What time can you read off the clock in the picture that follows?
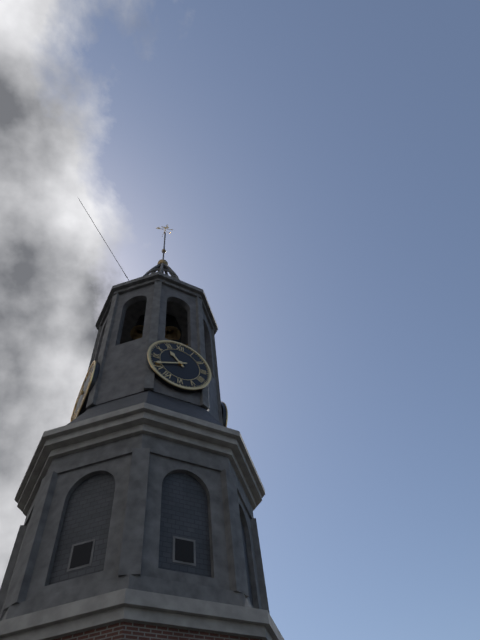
10:41
